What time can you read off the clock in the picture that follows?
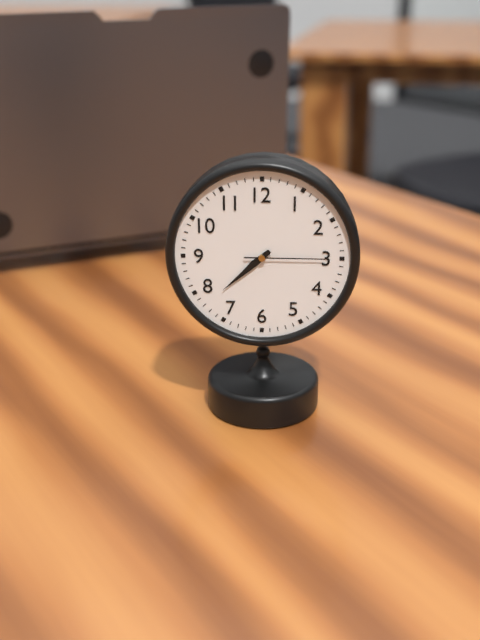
7:38:15
